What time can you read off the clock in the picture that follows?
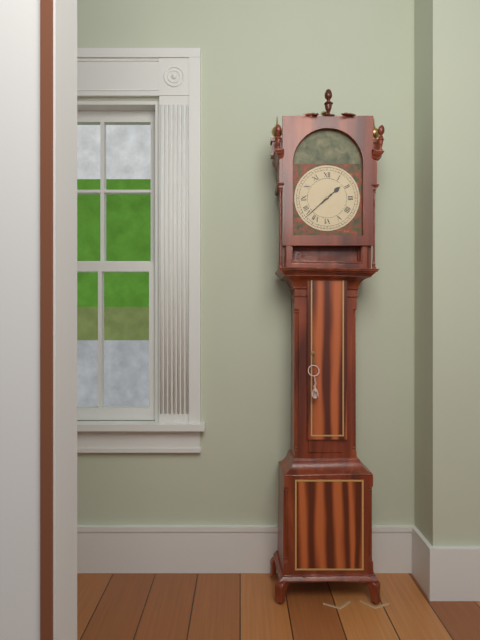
1:38
